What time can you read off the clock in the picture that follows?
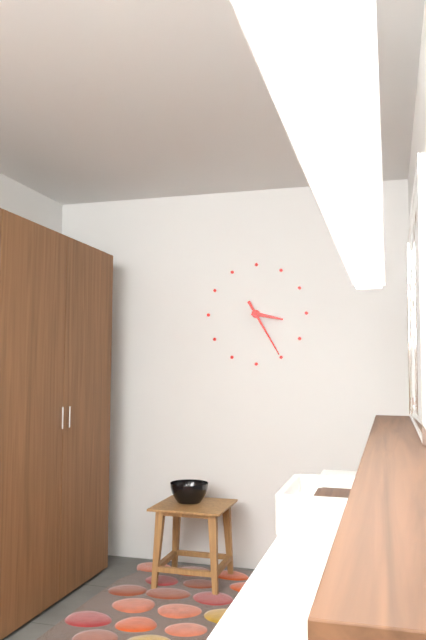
3:25
